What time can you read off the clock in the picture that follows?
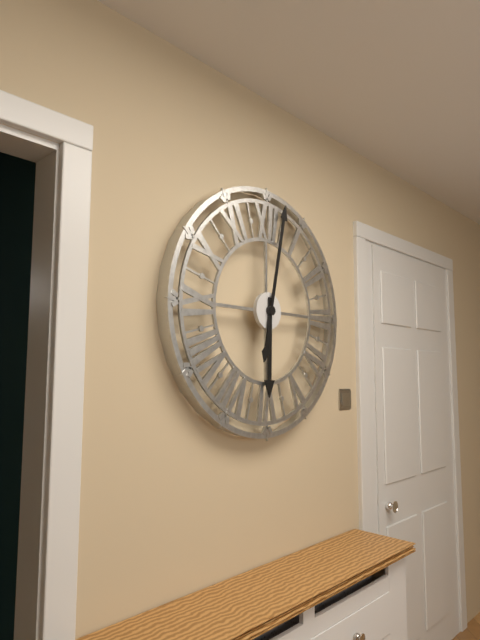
6:02
